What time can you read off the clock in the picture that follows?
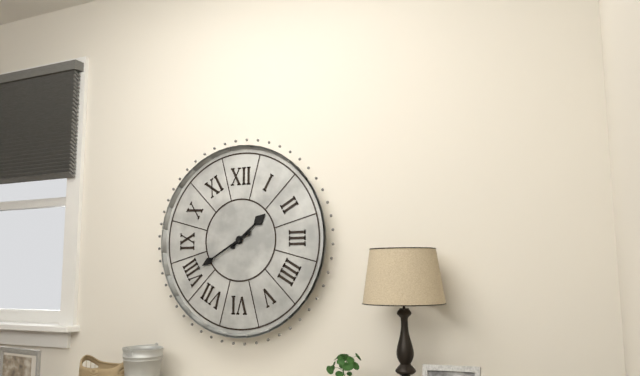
1:40
